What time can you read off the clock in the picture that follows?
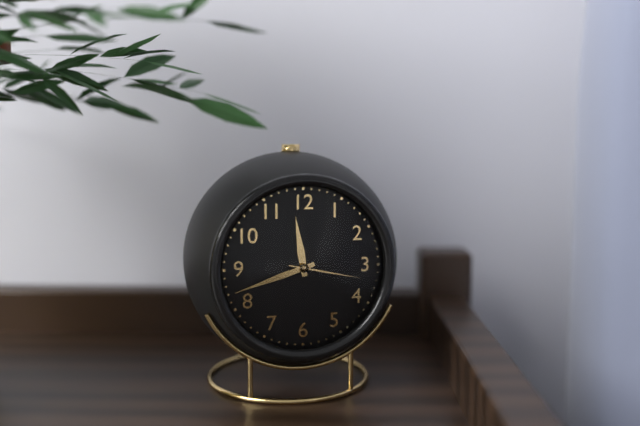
11:42:17
